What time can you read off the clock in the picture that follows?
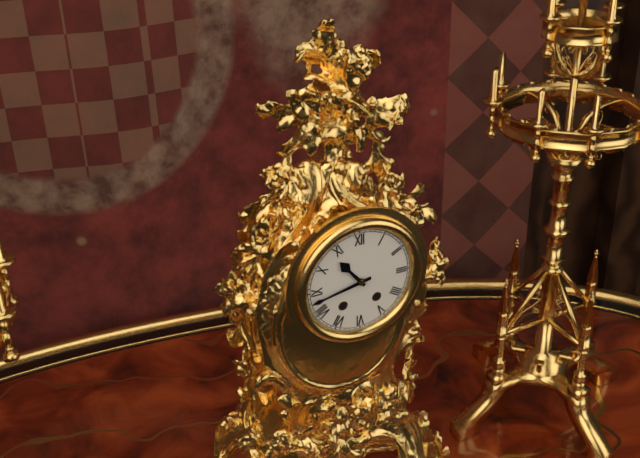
10:43
